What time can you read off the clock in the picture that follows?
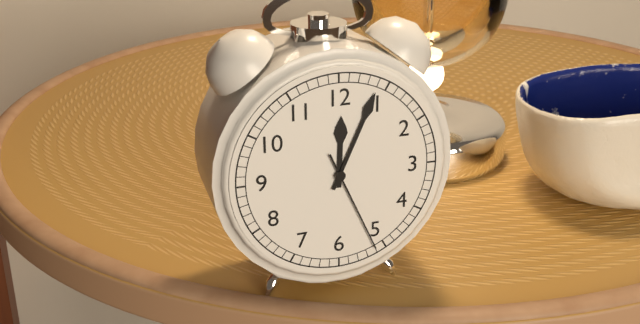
12:04:26
